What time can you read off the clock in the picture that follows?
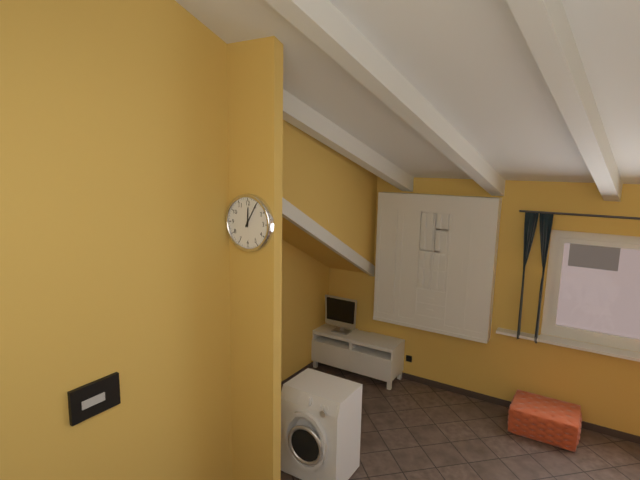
12:05
